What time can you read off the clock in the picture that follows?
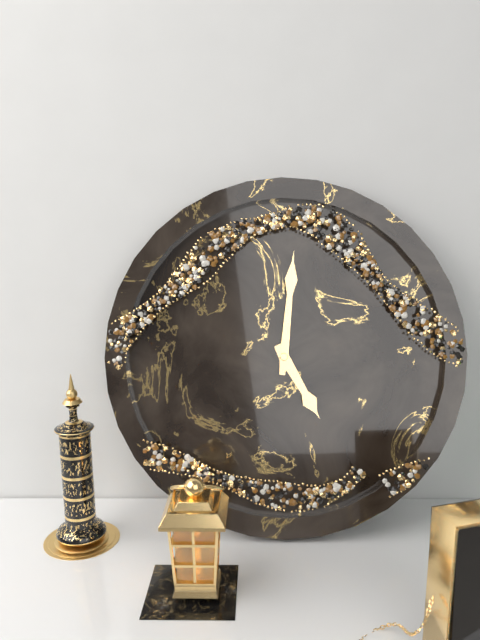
5:01
